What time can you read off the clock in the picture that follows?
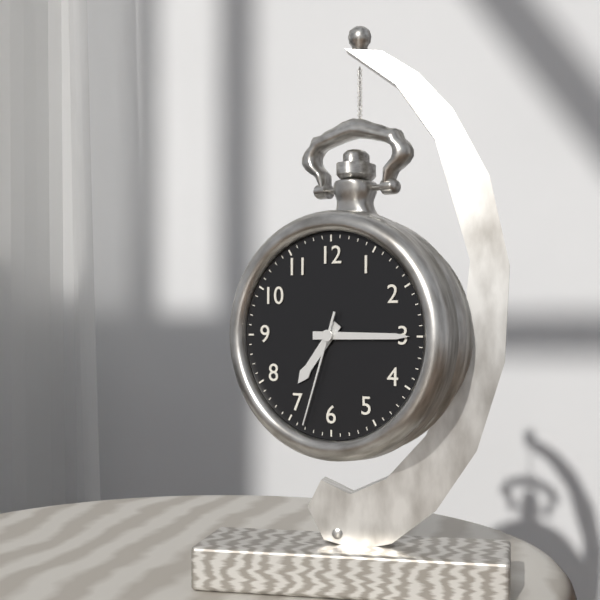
7:15:33
